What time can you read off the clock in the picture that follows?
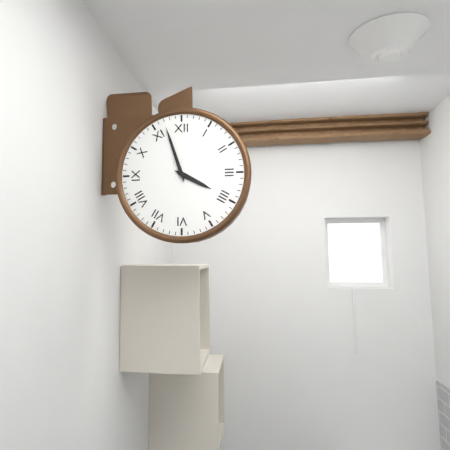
3:57
